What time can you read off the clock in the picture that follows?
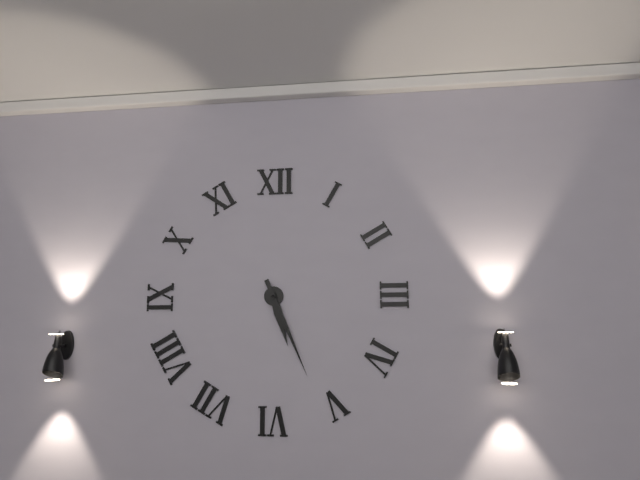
5:26
